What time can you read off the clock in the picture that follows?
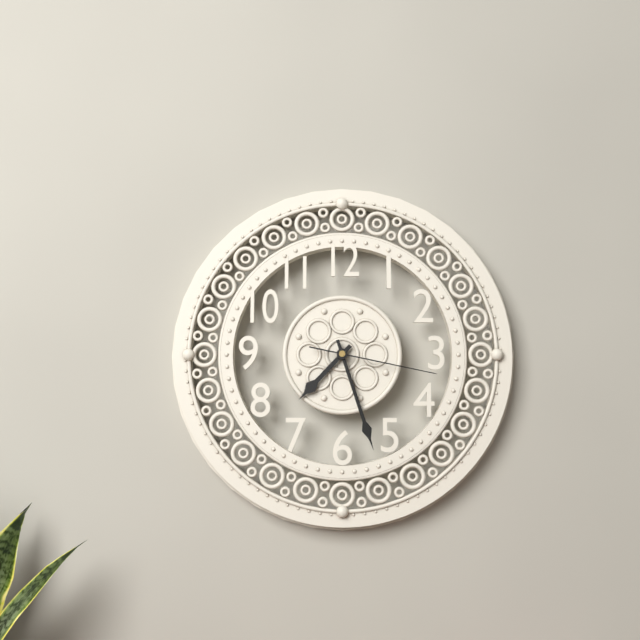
7:27:17
